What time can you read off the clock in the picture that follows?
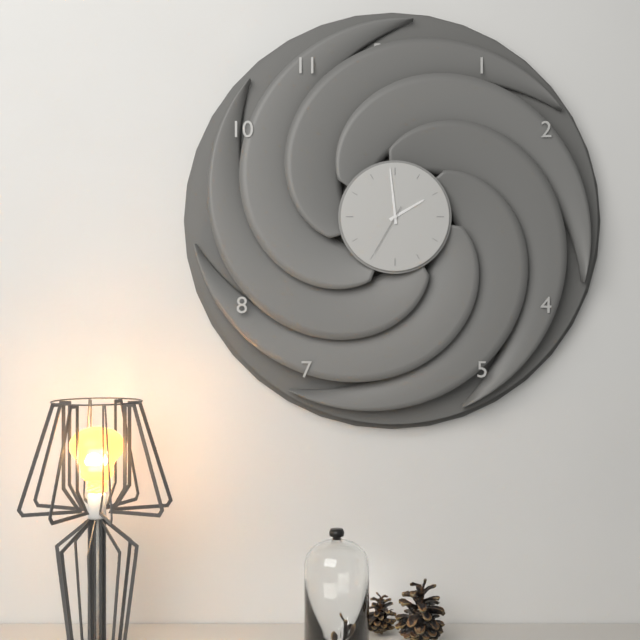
1:59:35
